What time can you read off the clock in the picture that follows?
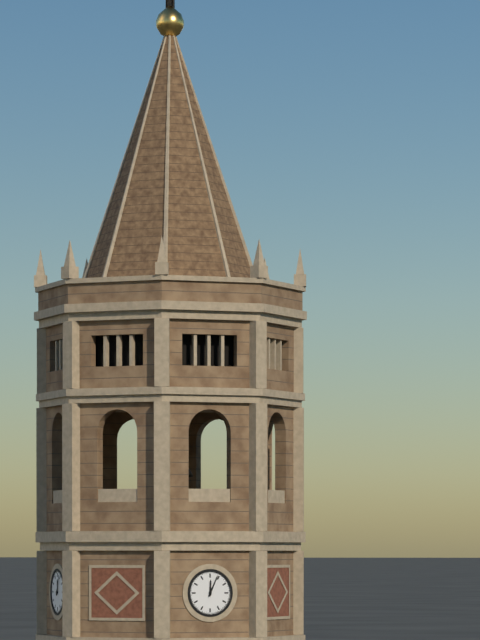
12:04
